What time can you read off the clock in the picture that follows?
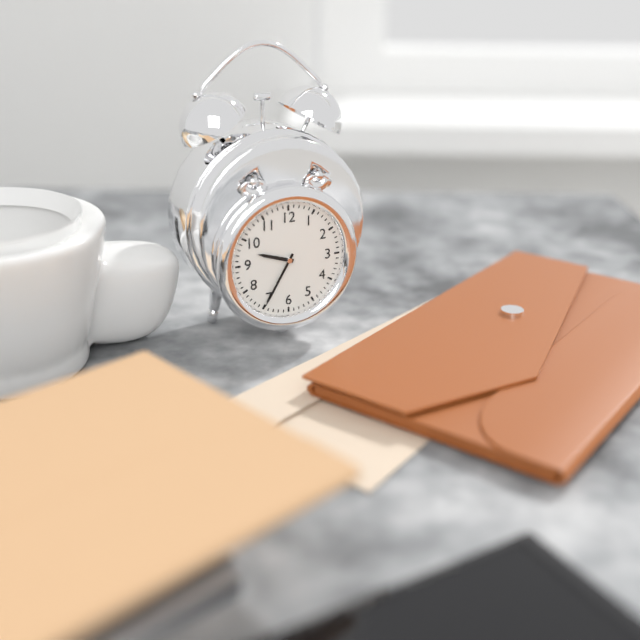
9:35
